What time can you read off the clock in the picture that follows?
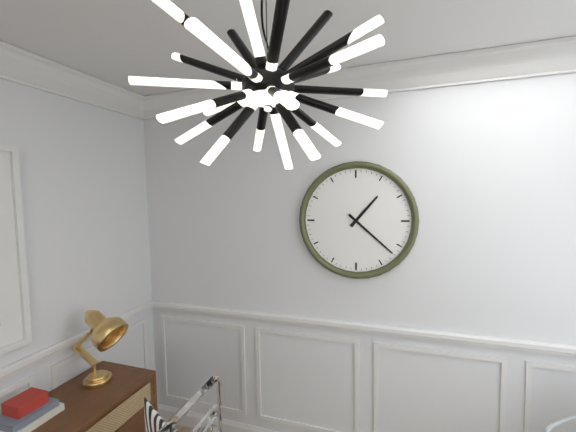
1:22
